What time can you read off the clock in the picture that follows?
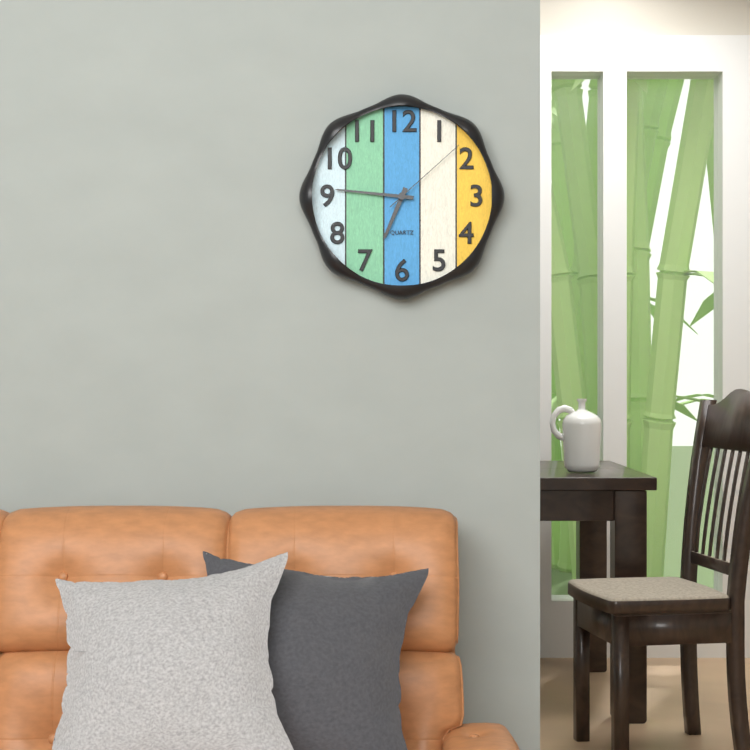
6:46:08
